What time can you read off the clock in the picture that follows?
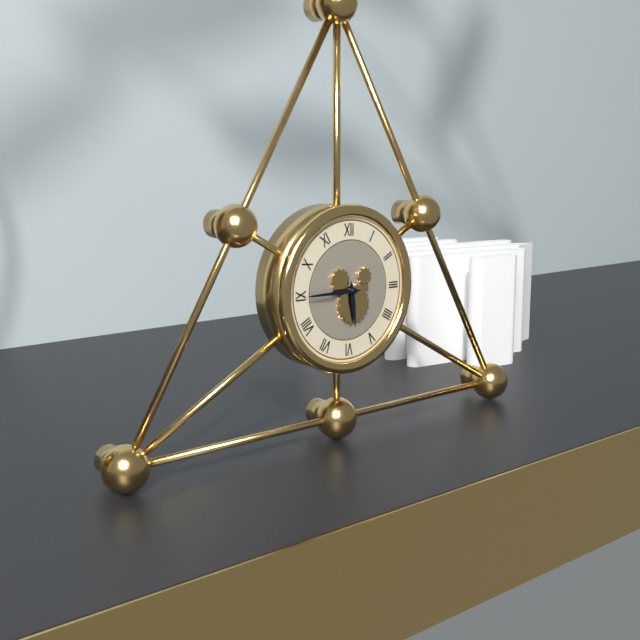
5:45
